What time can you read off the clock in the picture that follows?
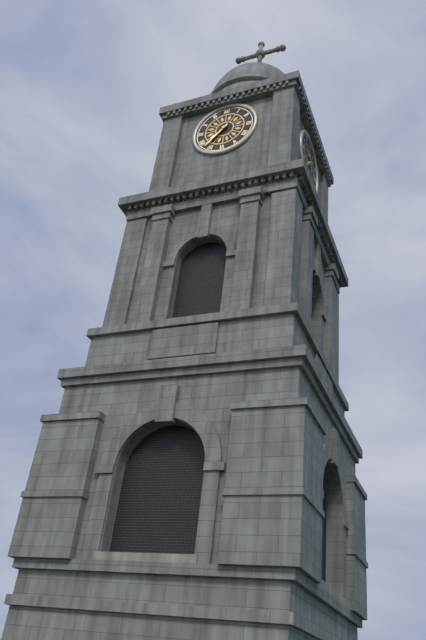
7:37
